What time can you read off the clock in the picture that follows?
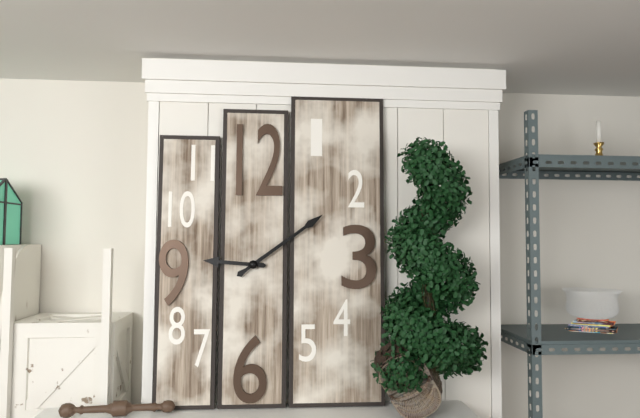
9:09
